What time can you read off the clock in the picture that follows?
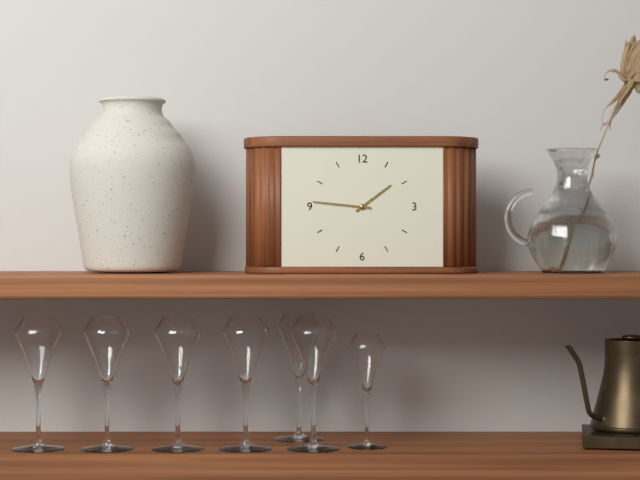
1:46
